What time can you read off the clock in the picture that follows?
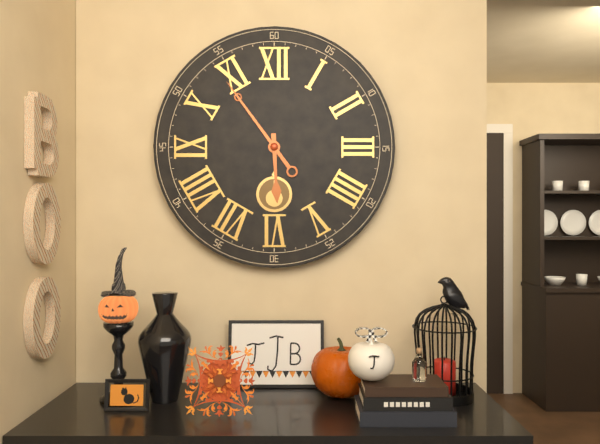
5:54
